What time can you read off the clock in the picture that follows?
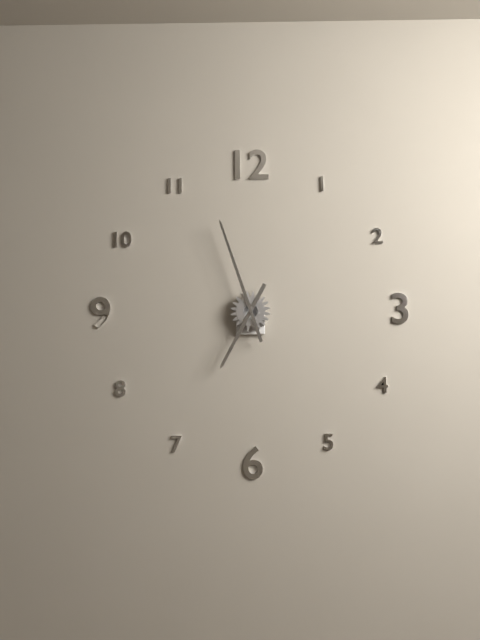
6:57
